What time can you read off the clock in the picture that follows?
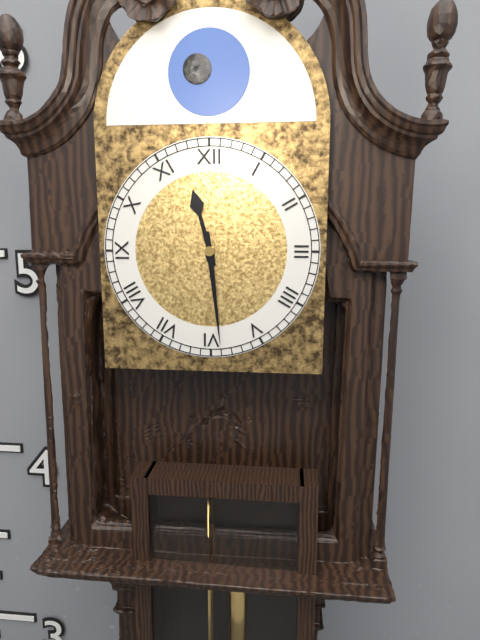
11:29
